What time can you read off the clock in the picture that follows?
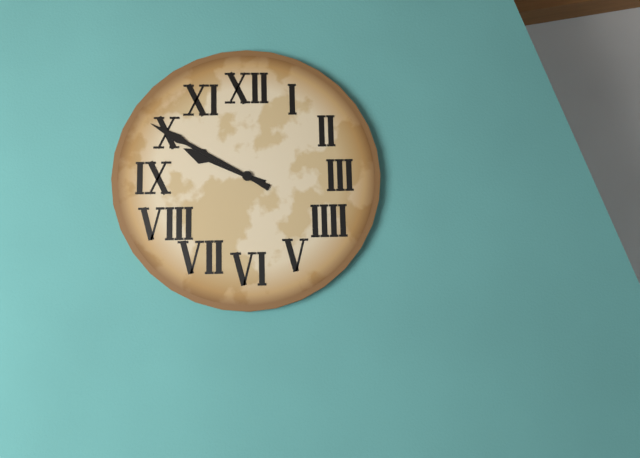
9:50
